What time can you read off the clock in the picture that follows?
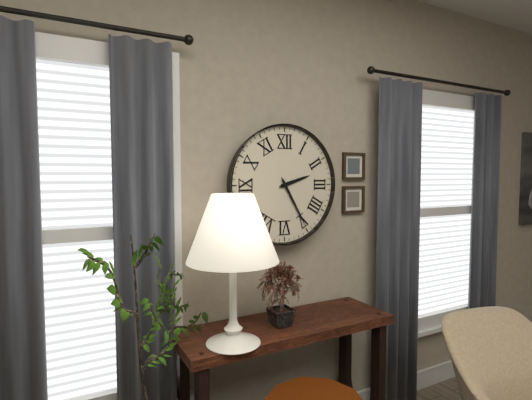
2:25
